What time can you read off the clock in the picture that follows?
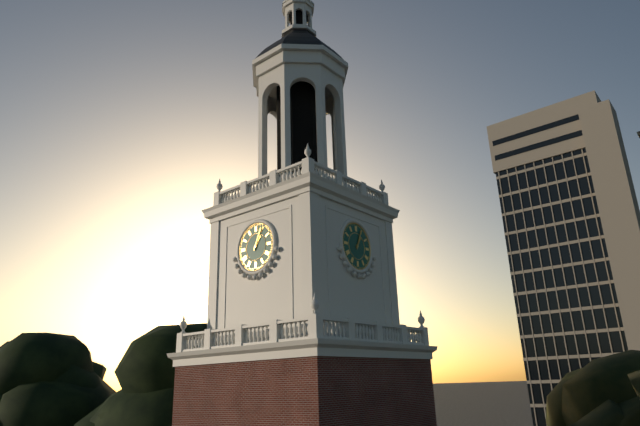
1:04
